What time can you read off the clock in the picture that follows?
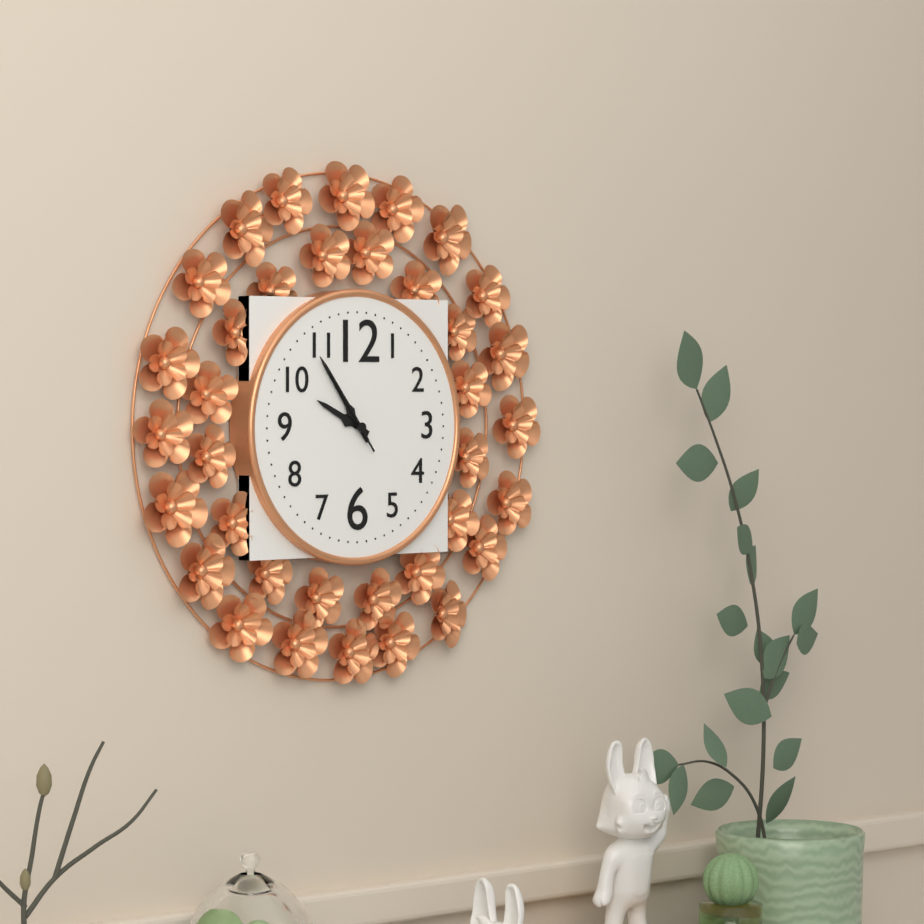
9:54:54
